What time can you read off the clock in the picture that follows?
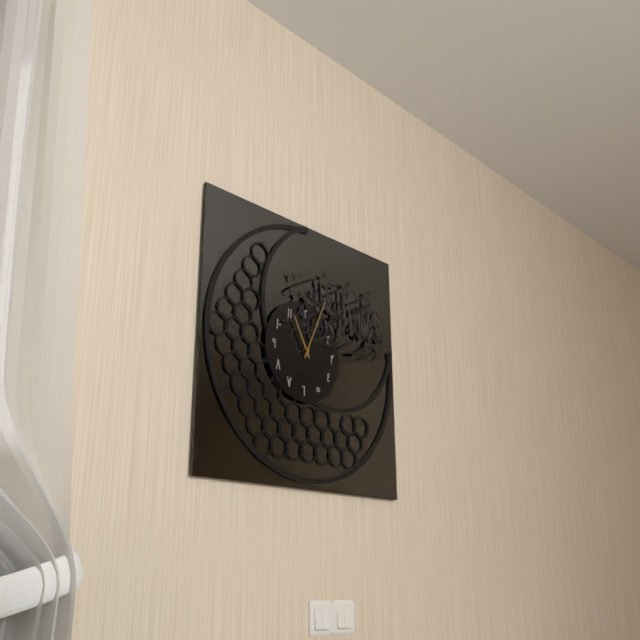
11:04
